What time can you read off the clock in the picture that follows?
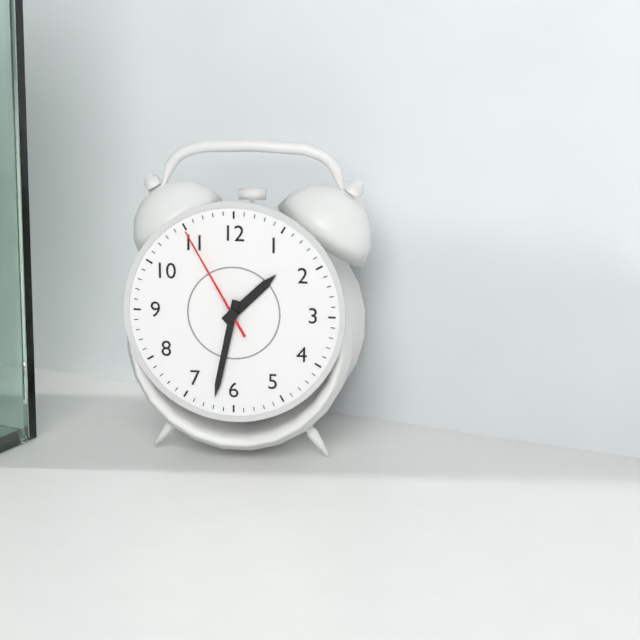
1:32:55
